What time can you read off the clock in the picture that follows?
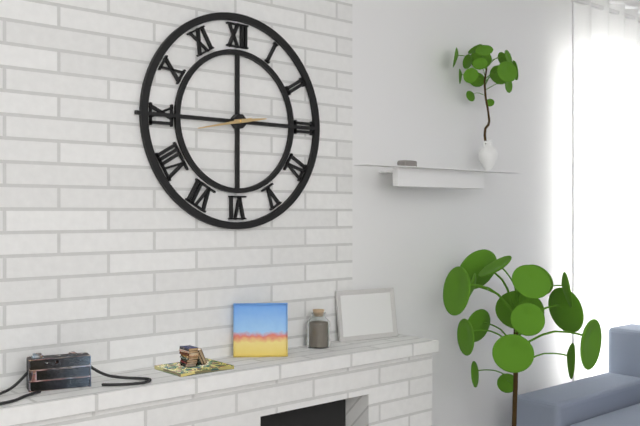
2:43
